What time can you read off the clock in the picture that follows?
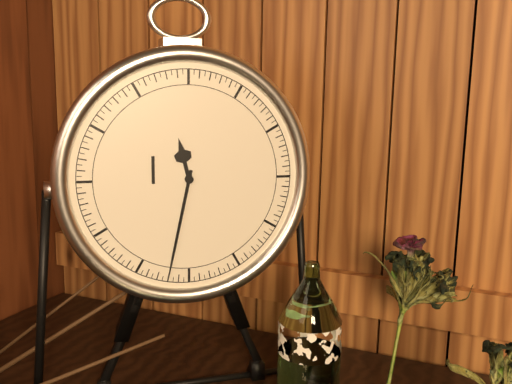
11:32
